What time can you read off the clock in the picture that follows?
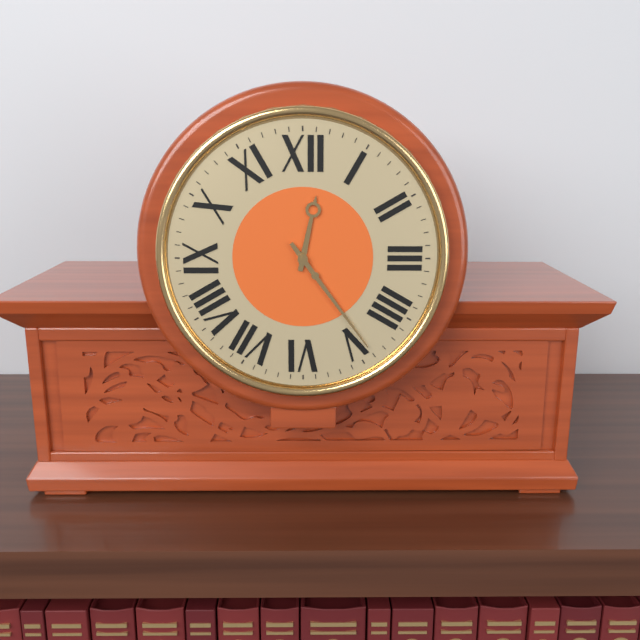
12:24
